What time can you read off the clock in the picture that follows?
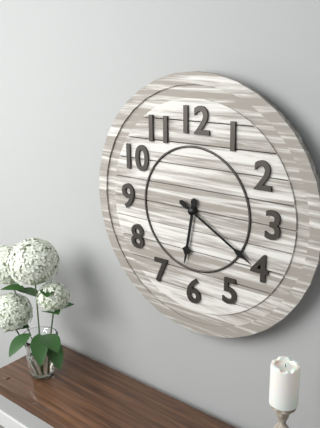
6:20
